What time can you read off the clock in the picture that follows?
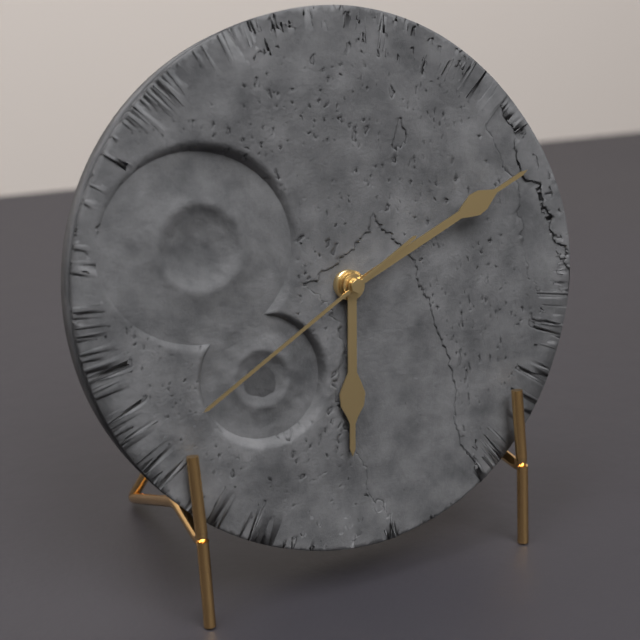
6:11:40
